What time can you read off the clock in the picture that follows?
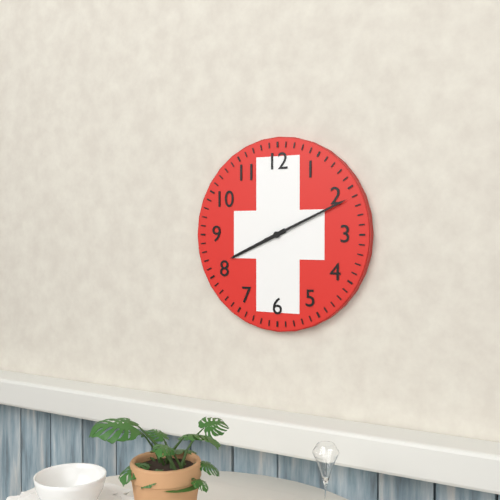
8:11
